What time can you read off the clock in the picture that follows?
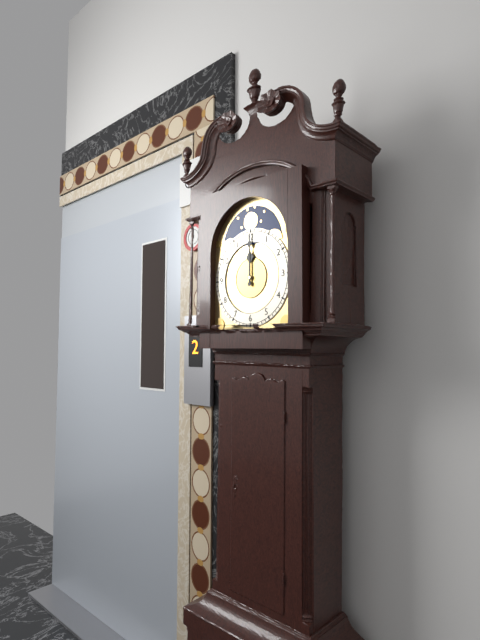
12:00
